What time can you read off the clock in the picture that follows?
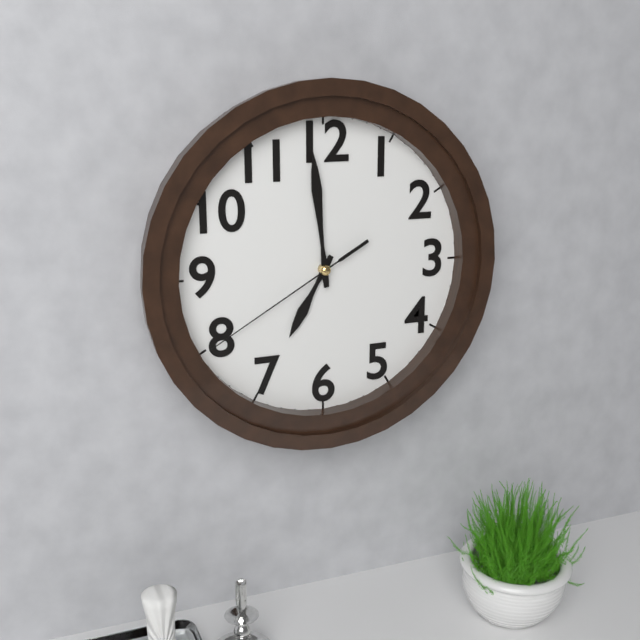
6:59:40
